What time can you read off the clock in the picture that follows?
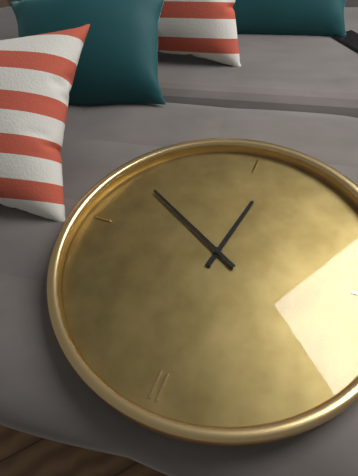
6:20
